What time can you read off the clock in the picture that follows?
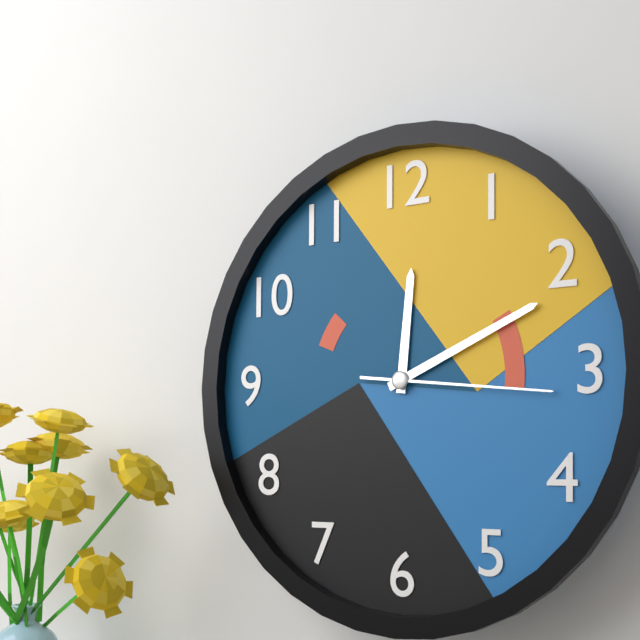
12:11:16
